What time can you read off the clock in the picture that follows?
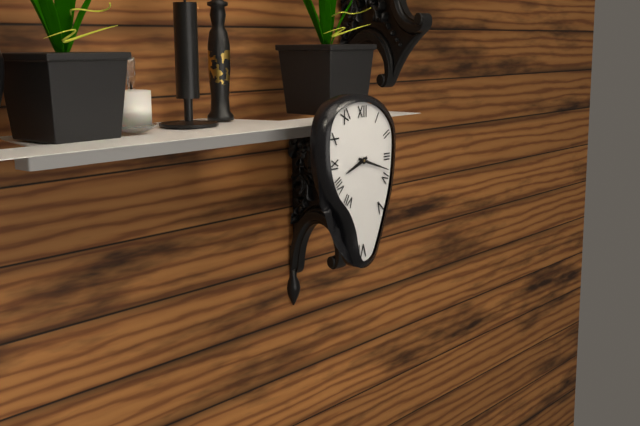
8:18
